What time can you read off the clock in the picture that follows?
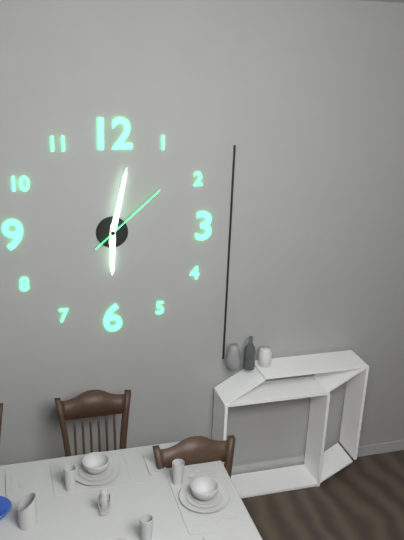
6:02:08
